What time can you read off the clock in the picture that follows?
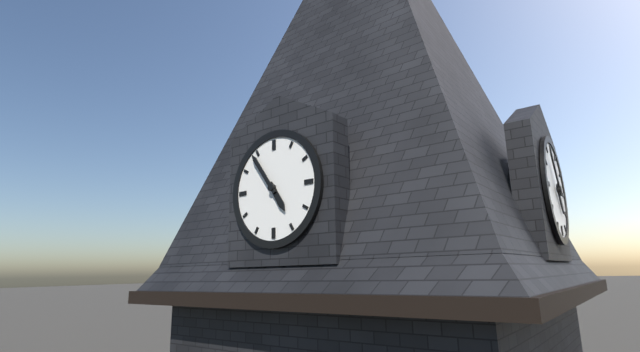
4:54
